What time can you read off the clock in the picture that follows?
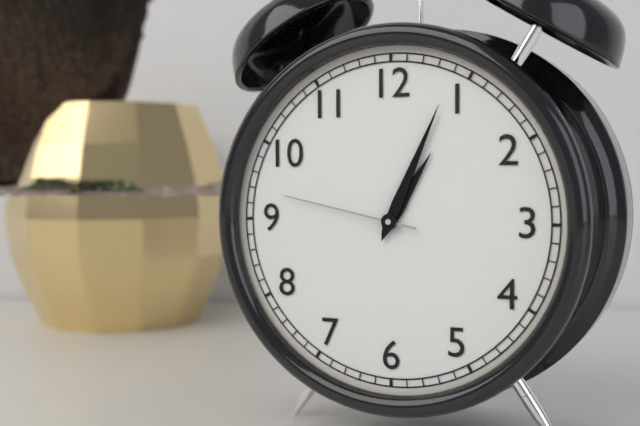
1:04:47
